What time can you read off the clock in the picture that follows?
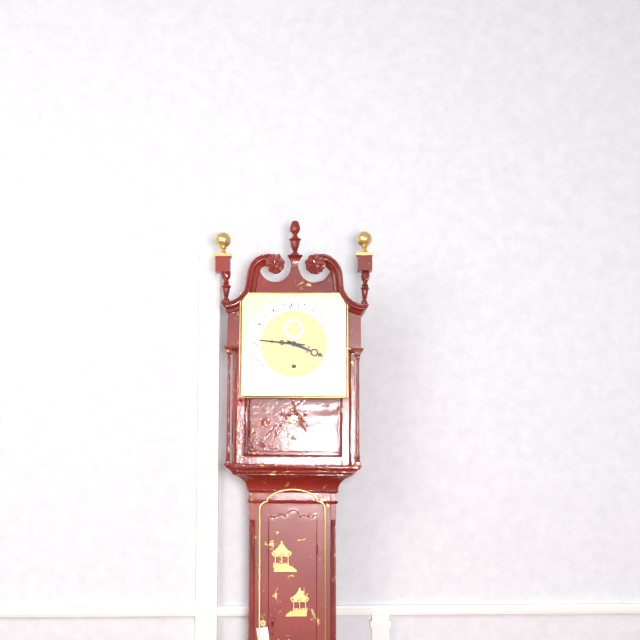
3:46
